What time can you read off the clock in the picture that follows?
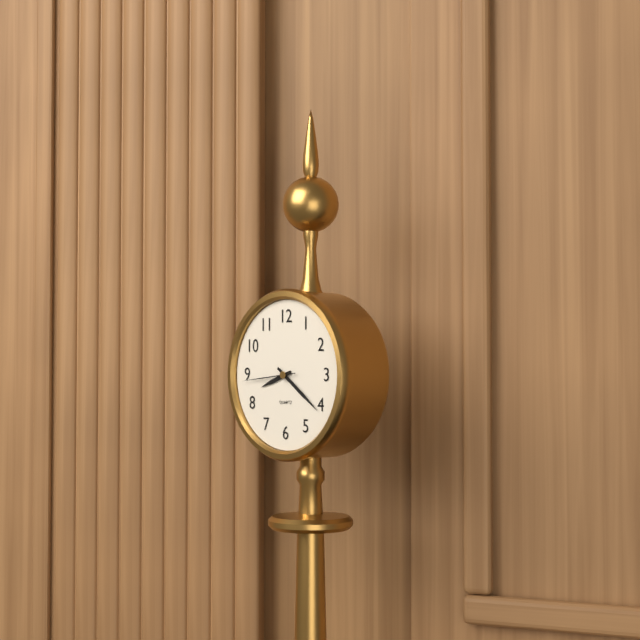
8:21:44
